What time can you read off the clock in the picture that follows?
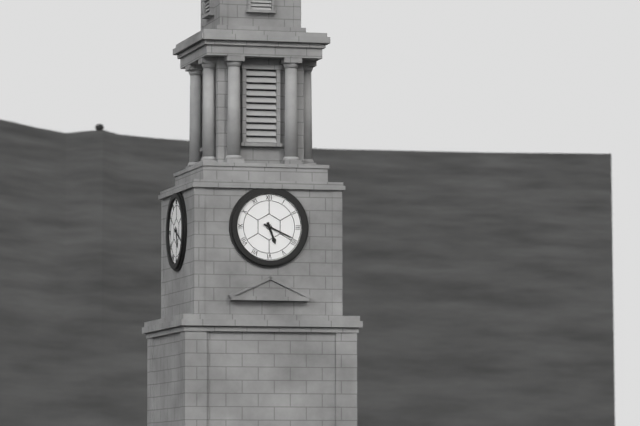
5:19
